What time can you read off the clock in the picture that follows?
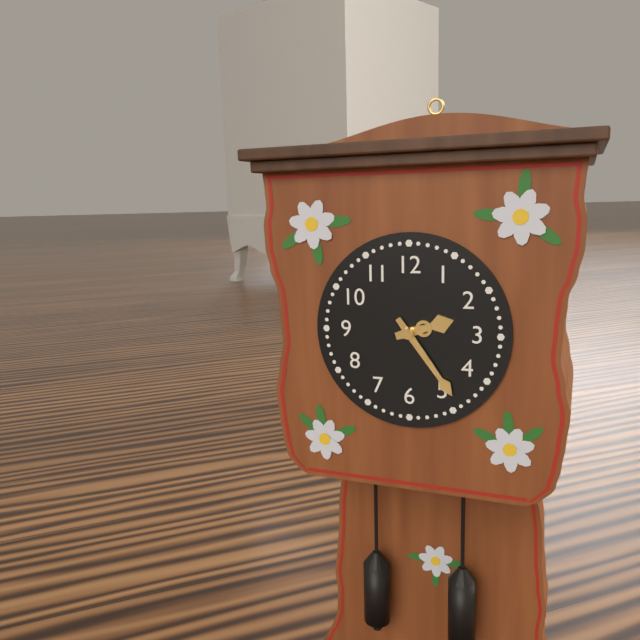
2:24
